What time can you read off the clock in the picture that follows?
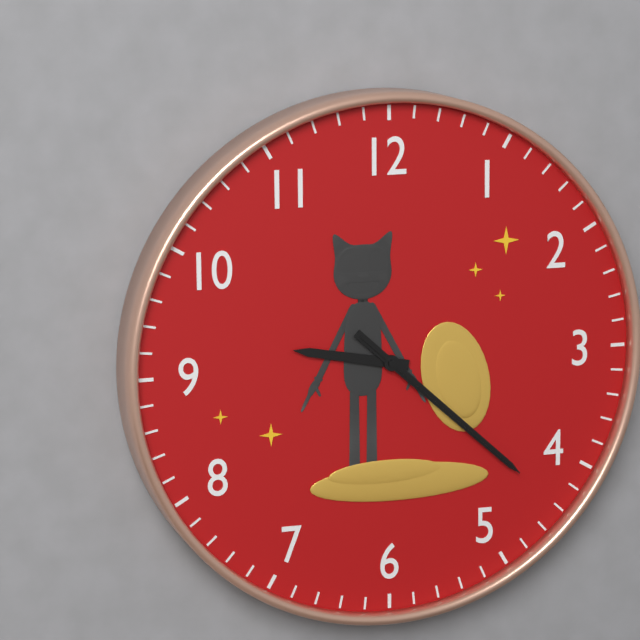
9:22:22
